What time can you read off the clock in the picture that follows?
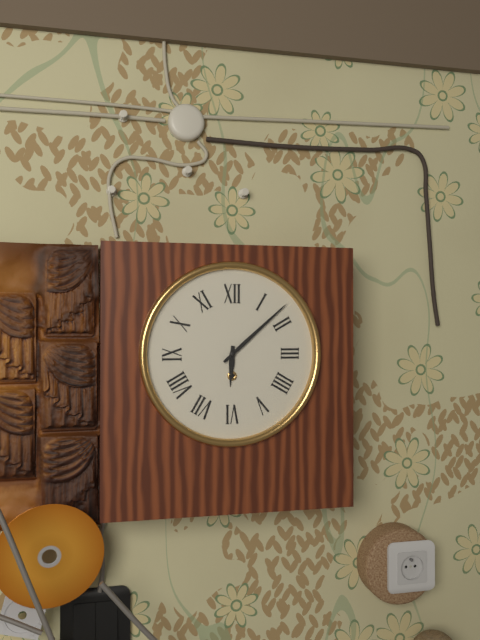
6:08
